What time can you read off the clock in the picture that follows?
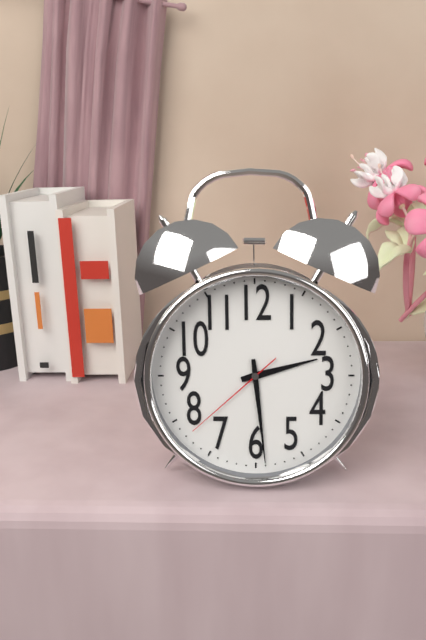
2:29:38
